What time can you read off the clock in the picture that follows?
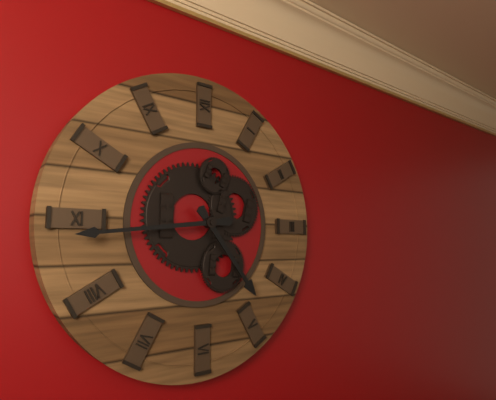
4:44
